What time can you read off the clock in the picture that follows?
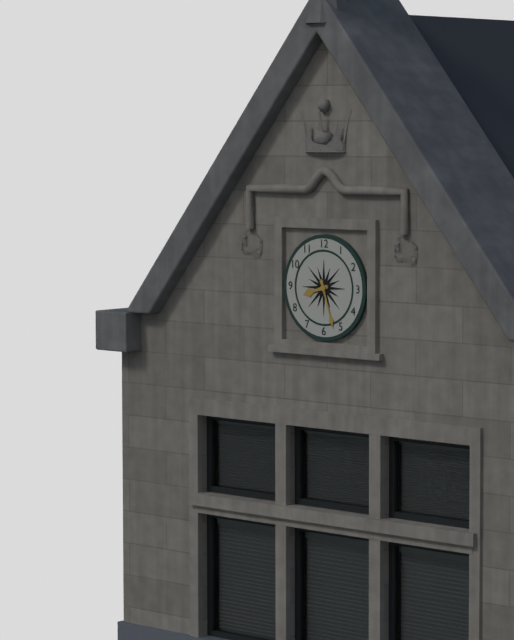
8:27
